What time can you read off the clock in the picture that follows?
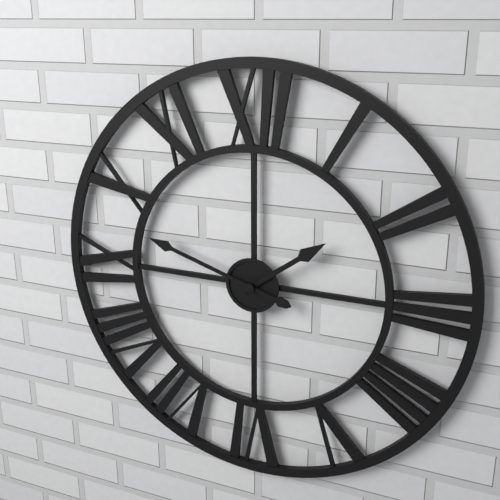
1:48
